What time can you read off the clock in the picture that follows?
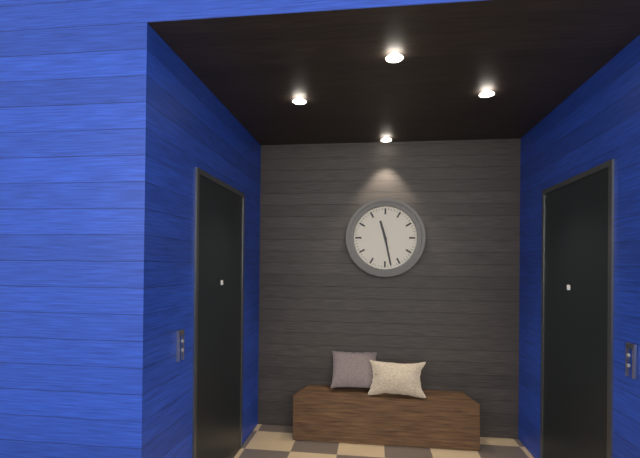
11:28
